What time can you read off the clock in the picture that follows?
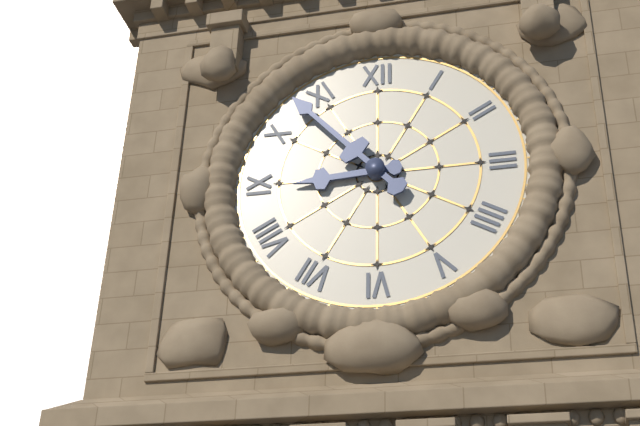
8:53
